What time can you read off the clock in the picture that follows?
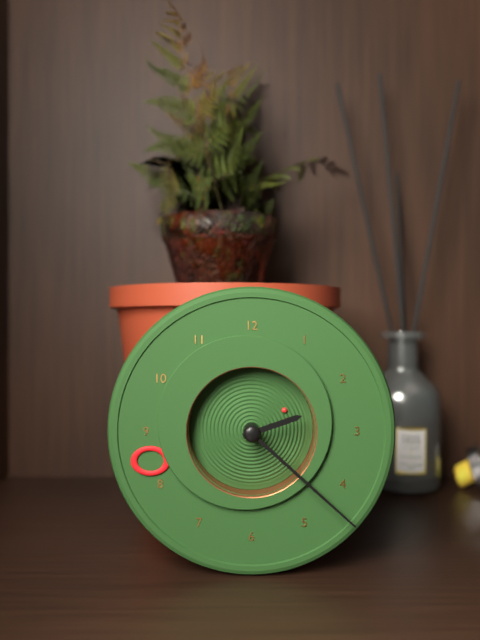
2:22
